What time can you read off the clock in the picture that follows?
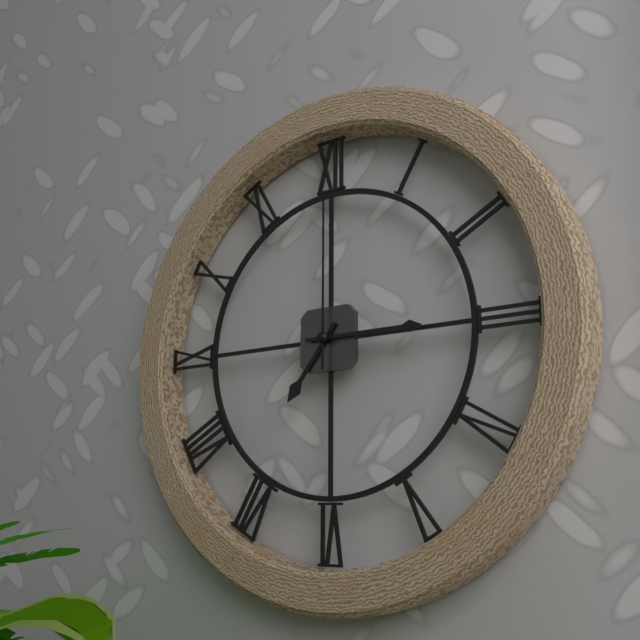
7:15:00
